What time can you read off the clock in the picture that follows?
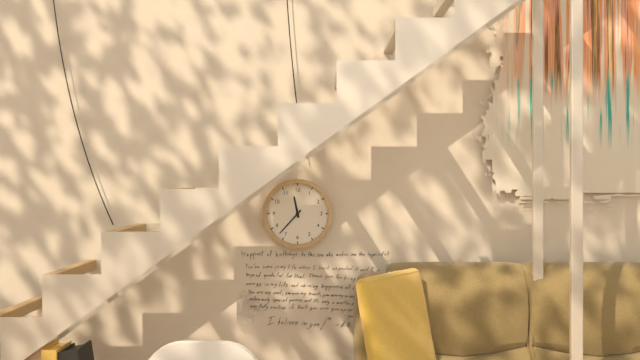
11:37
